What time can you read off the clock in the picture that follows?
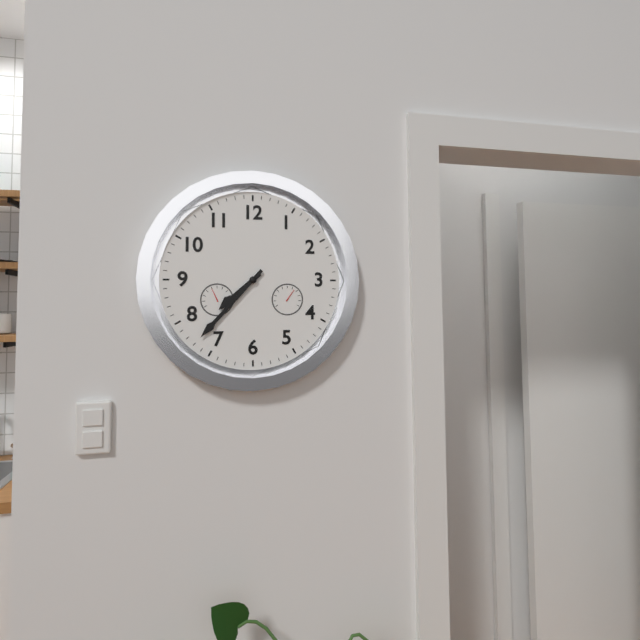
7:37
